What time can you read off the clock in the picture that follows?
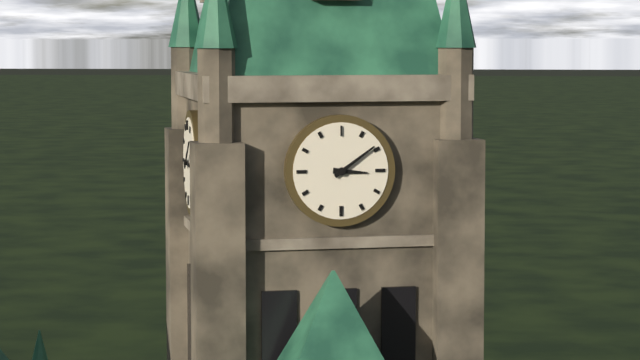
3:09
